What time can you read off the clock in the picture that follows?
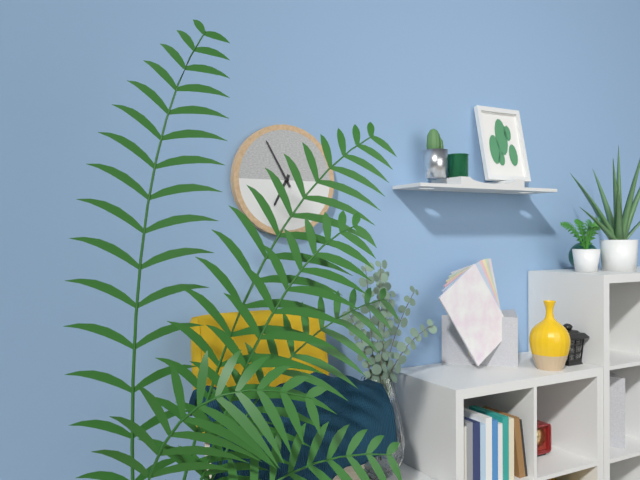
6:55
